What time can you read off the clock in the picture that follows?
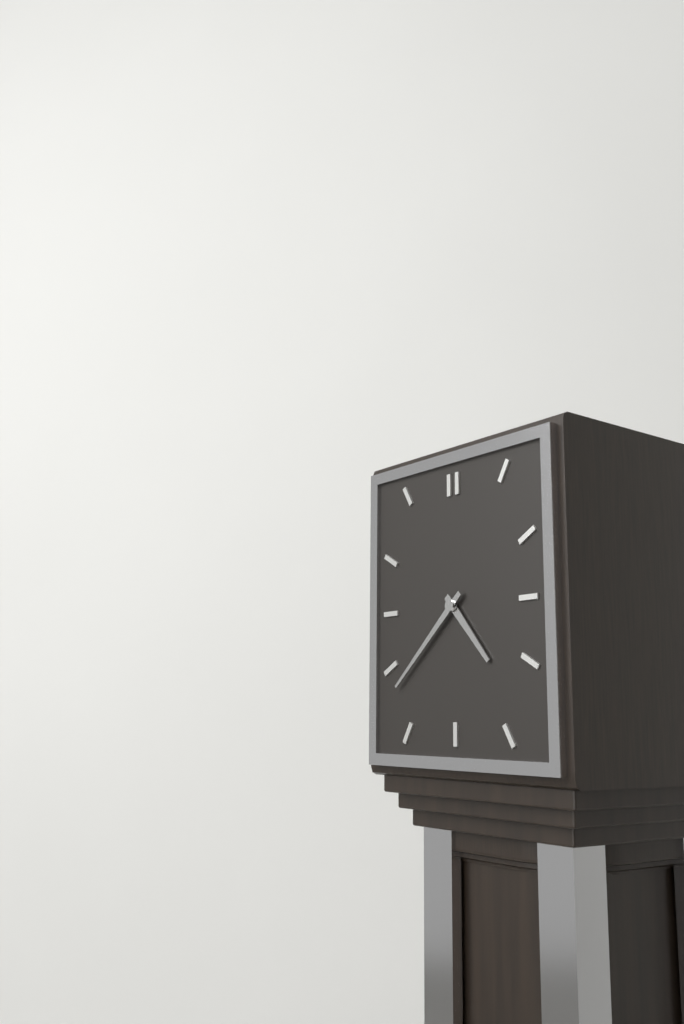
4:38
